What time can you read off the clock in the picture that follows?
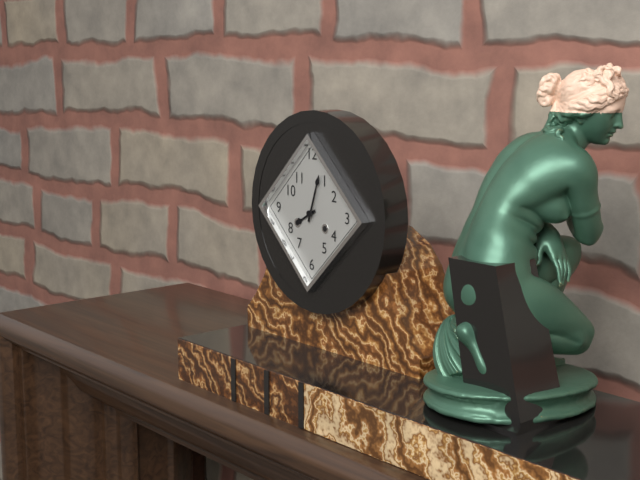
8:03
